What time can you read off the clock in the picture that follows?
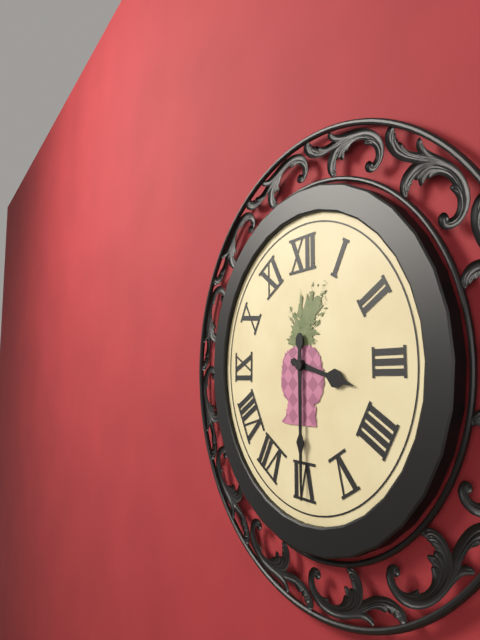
3:30
